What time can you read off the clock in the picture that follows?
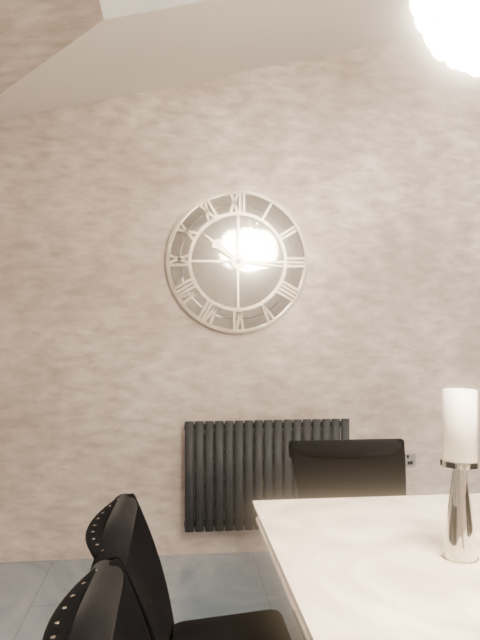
10:16
